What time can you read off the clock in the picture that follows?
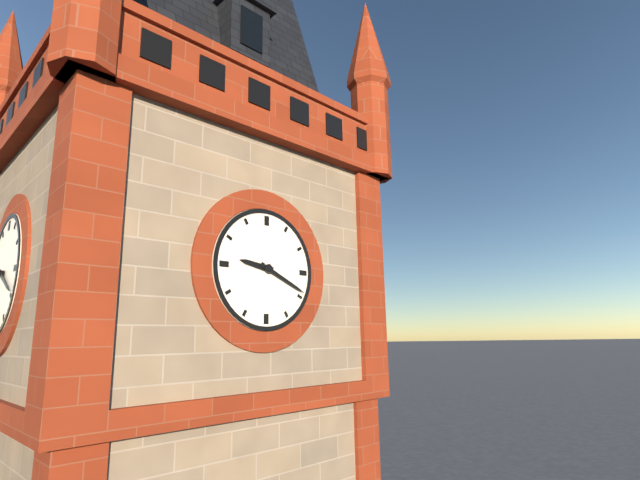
9:19
